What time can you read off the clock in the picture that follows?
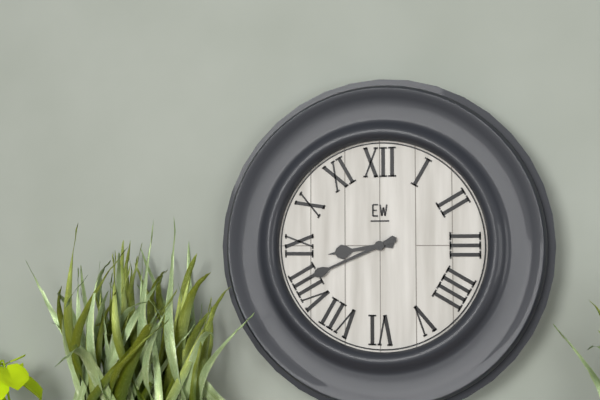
8:41
